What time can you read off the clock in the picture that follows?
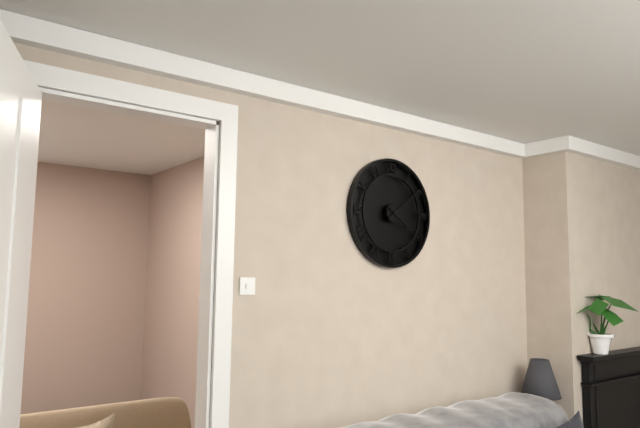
4:09
